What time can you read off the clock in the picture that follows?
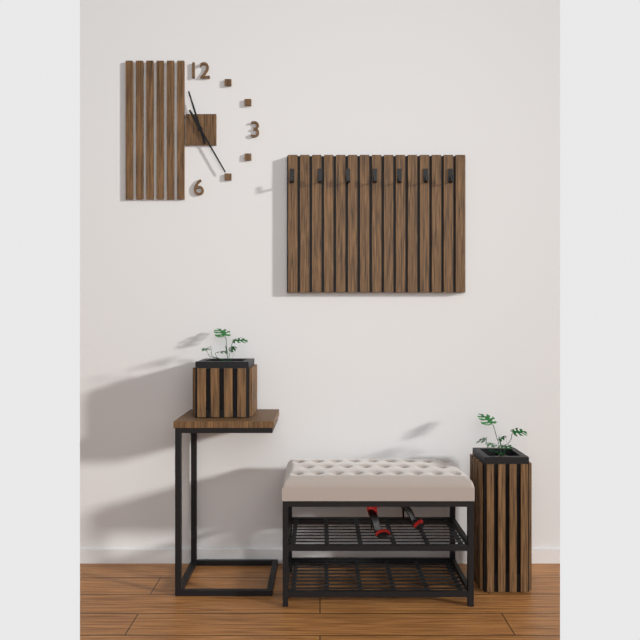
11:25
